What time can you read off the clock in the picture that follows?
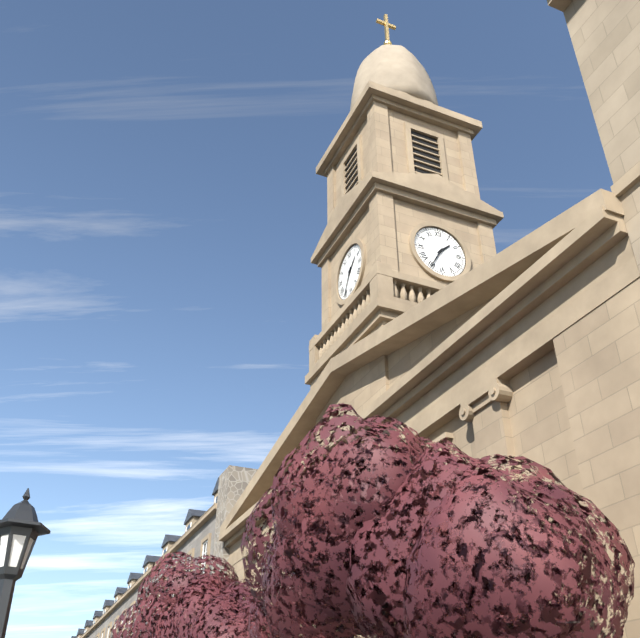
1:35
